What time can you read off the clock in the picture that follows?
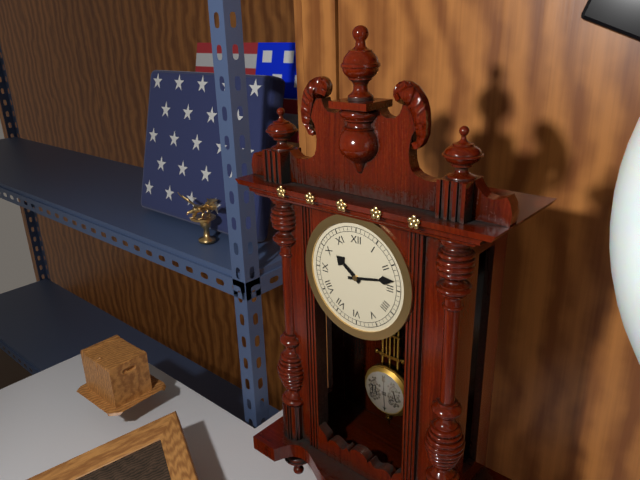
10:13
